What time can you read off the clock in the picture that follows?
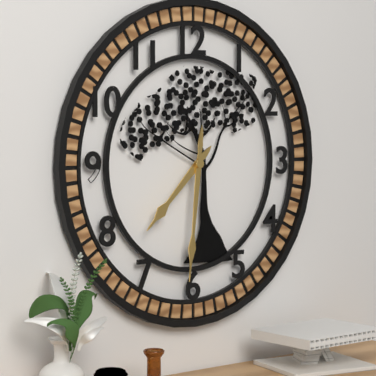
7:31
